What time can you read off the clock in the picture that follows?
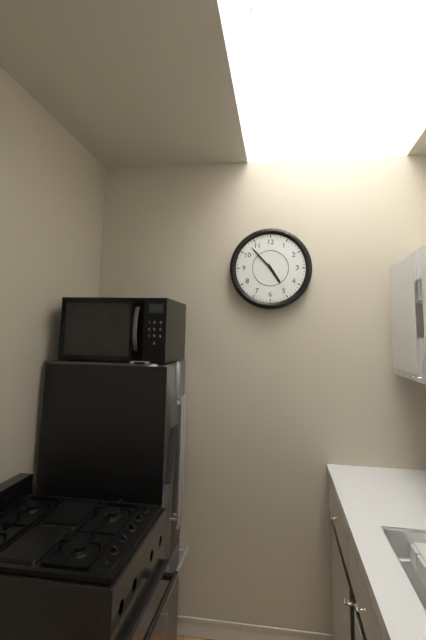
4:53
